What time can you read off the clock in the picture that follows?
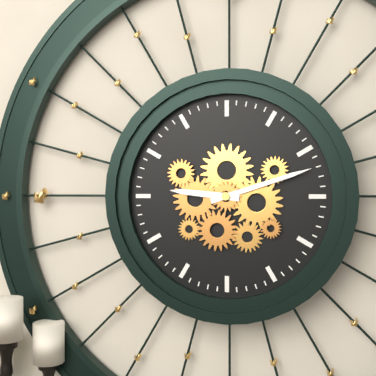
9:12
